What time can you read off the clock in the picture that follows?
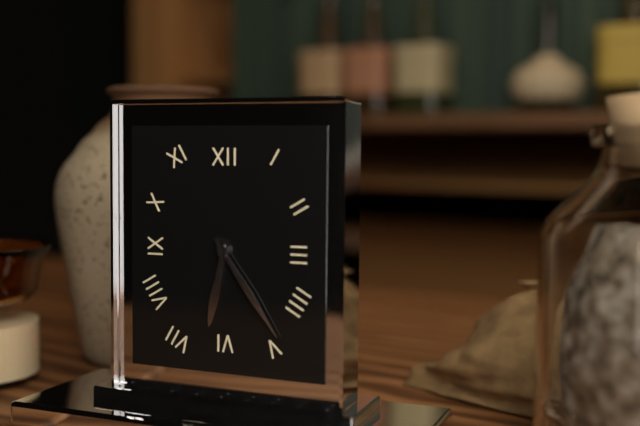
6:24
